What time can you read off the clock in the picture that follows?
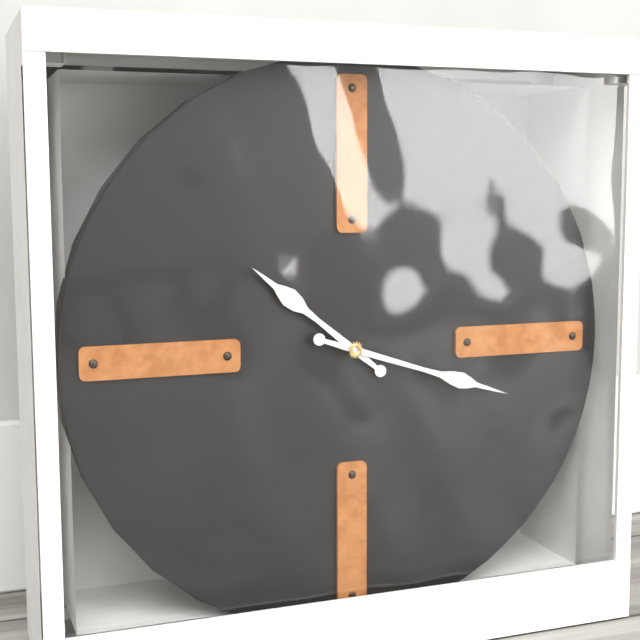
10:18
